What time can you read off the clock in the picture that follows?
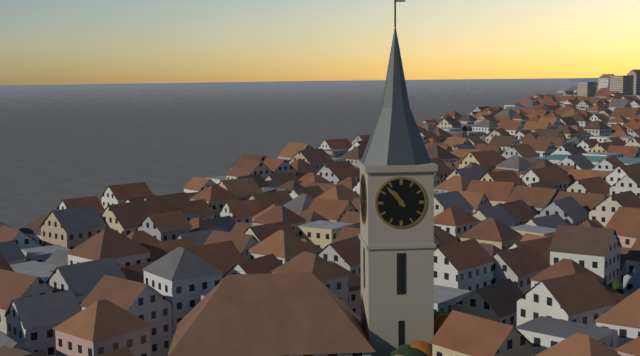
10:53
